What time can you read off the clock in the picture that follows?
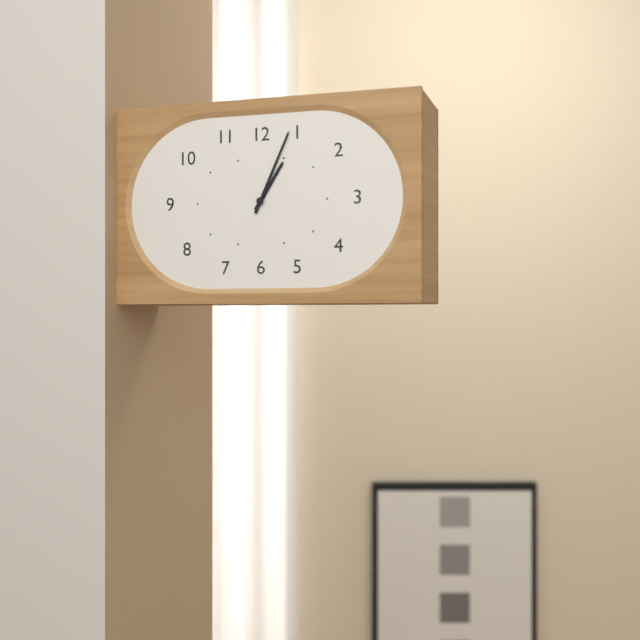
1:04
